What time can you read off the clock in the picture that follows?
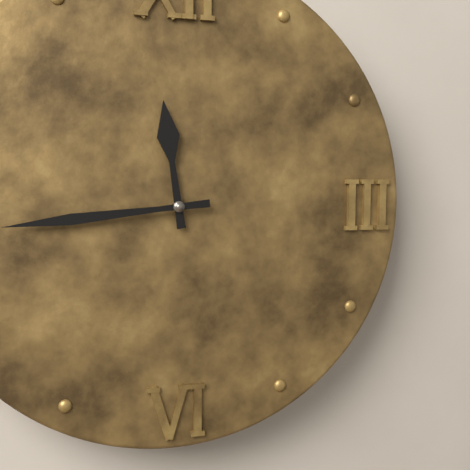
11:44
